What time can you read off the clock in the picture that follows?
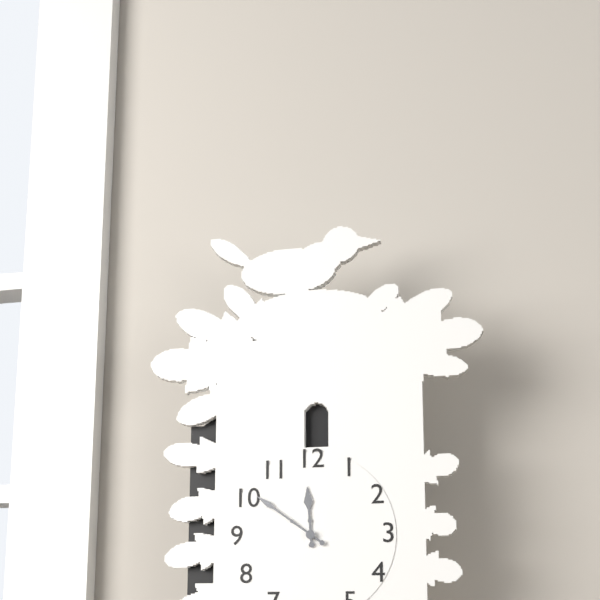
11:51
